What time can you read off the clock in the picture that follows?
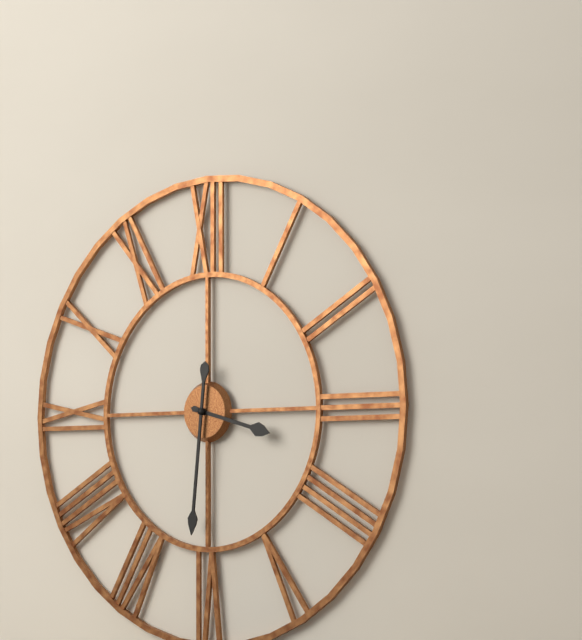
3:31
